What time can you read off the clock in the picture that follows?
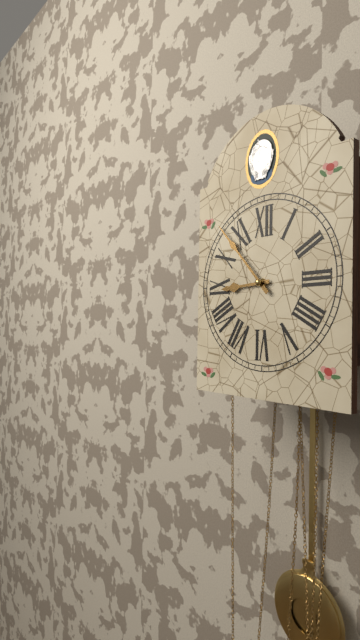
8:53
